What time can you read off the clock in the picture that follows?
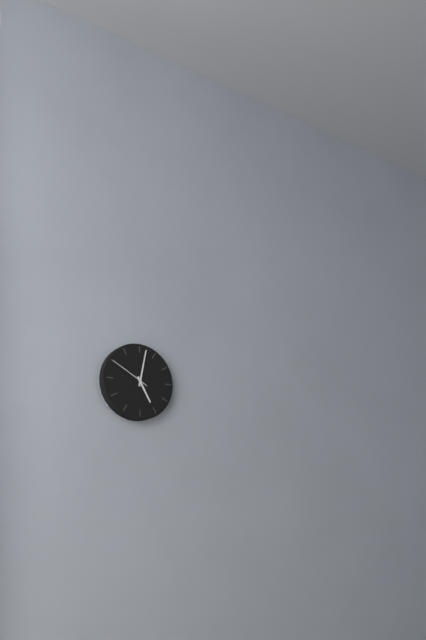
5:02
